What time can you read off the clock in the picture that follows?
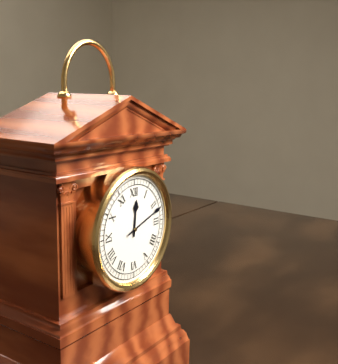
12:12
